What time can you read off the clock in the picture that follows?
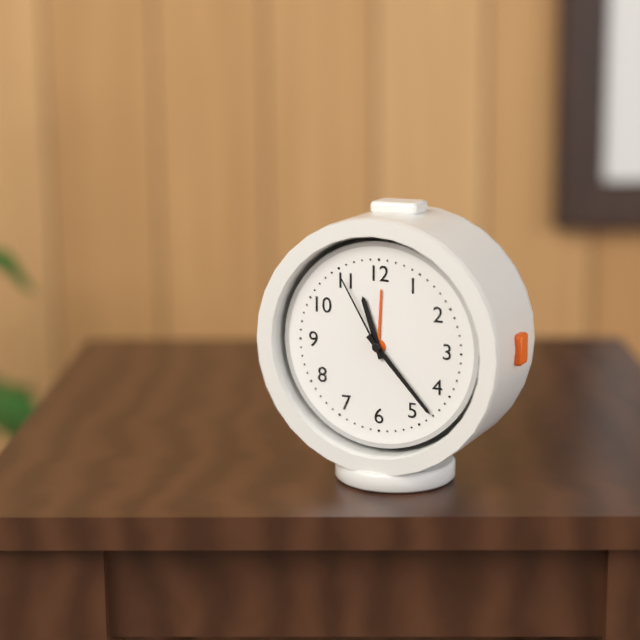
11:23:55
